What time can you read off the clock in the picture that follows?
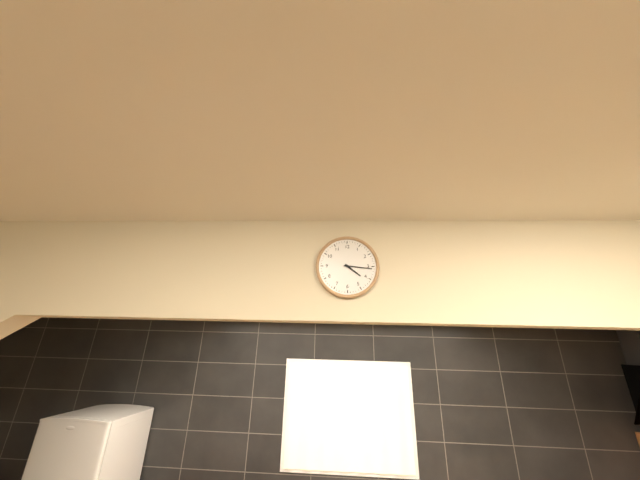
4:16
